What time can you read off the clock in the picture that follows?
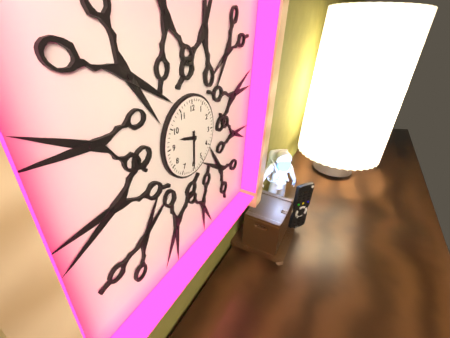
9:30
